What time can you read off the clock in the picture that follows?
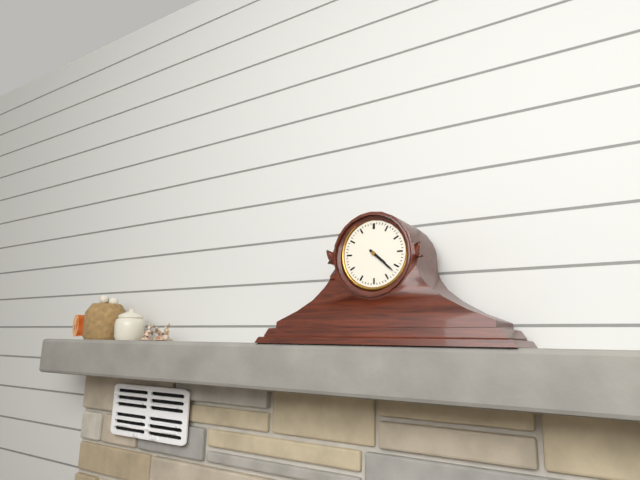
4:22
